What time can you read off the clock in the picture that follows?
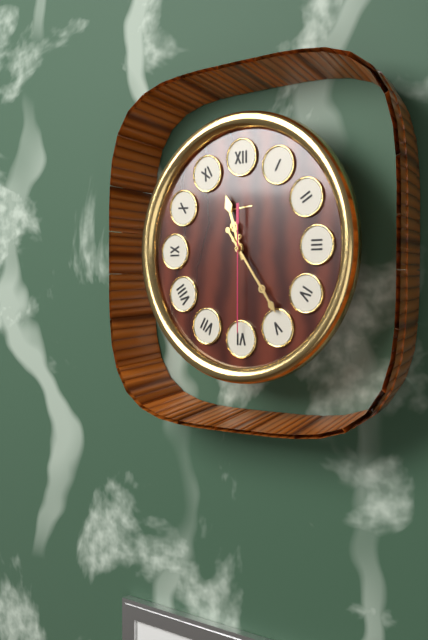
11:24:30
